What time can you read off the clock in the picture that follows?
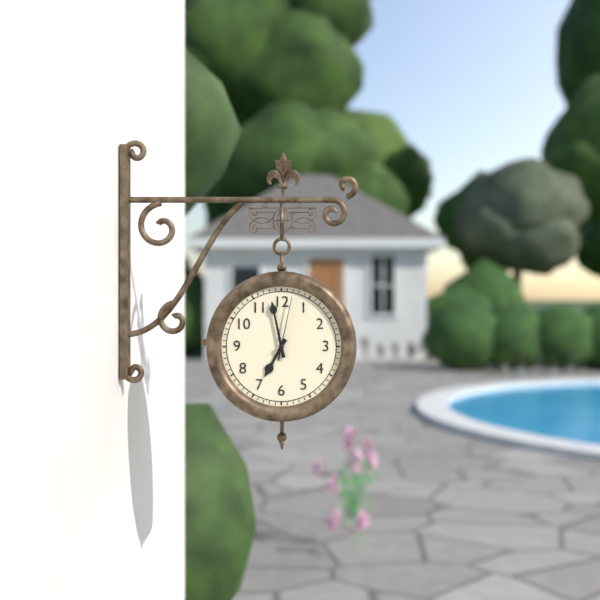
6:58:02
